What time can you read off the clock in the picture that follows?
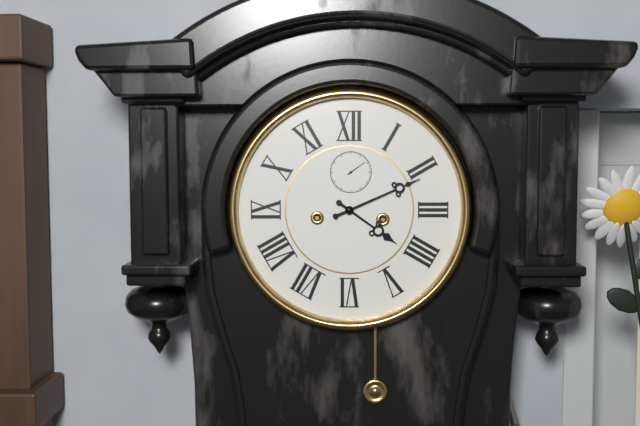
4:11
